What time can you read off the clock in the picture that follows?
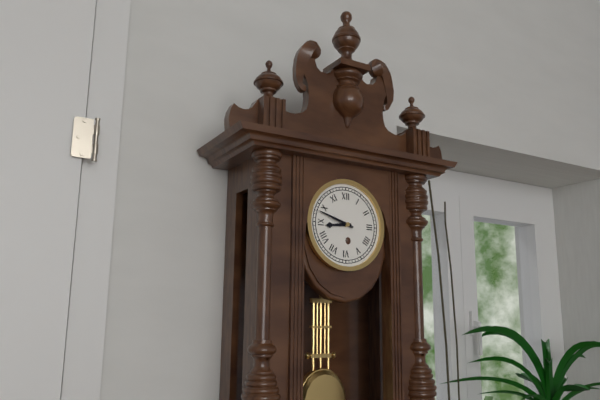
8:48
